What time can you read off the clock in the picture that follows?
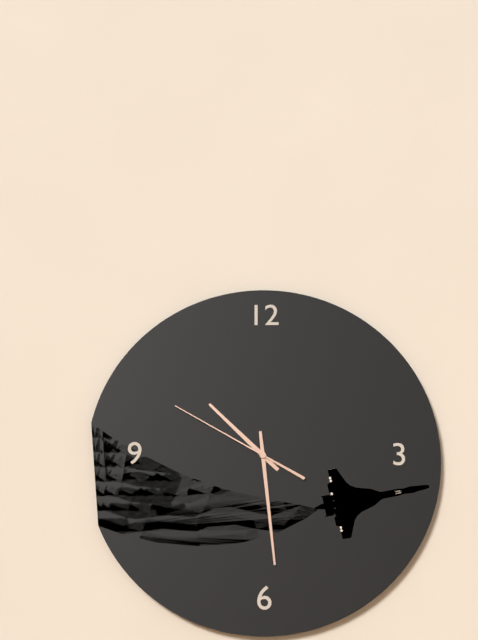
10:29:50
